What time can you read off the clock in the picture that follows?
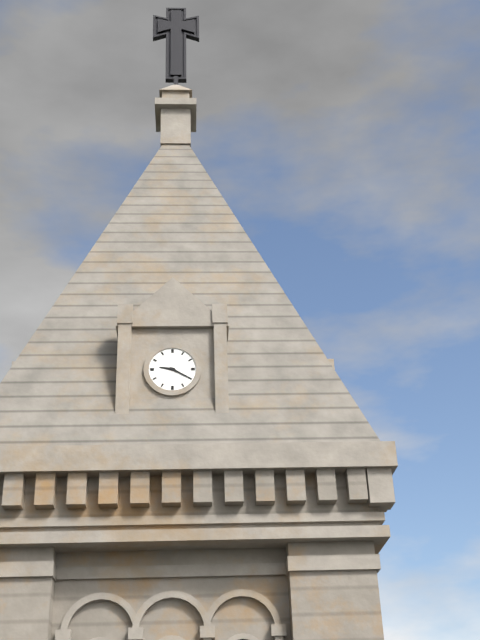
9:20
